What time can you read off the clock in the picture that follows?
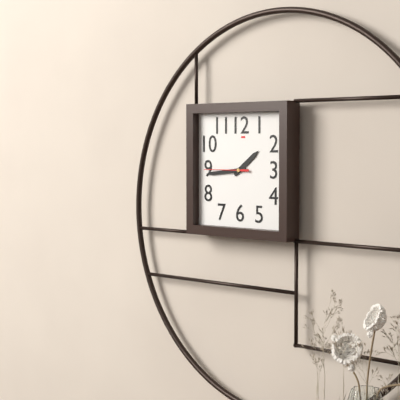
1:44
